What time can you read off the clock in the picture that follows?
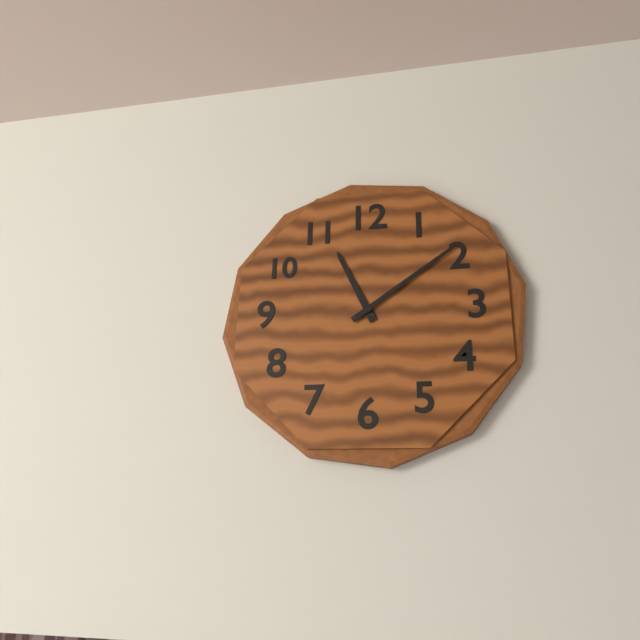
11:09
